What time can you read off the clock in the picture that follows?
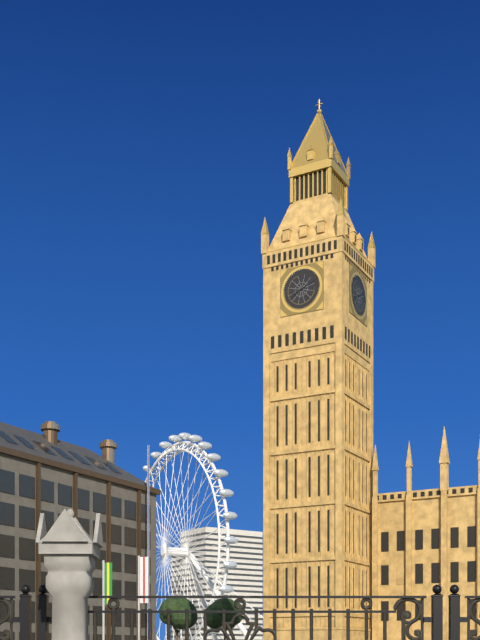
8:11
